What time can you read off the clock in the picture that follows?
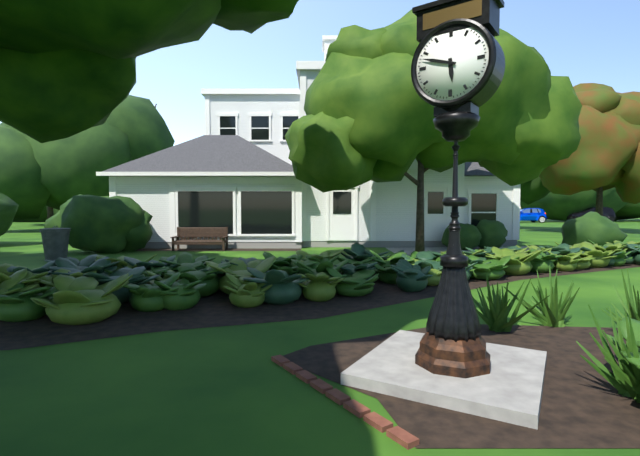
5:48
